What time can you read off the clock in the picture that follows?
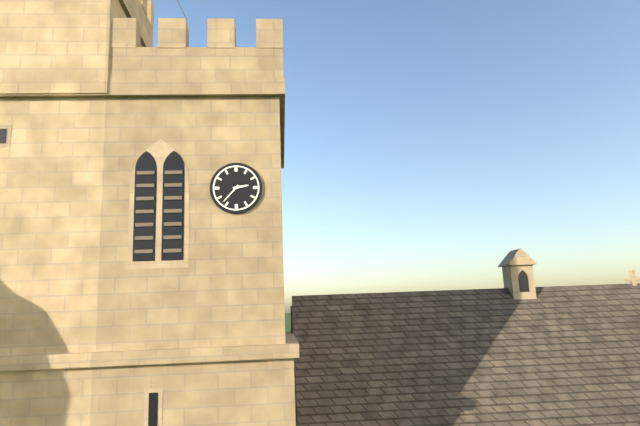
2:37
